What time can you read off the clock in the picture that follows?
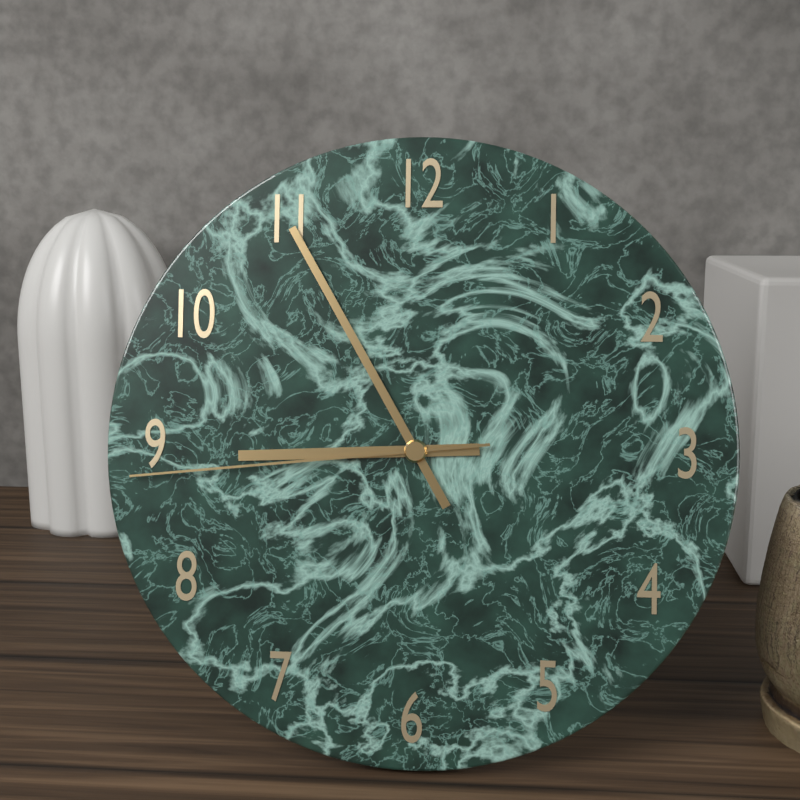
8:55:44
